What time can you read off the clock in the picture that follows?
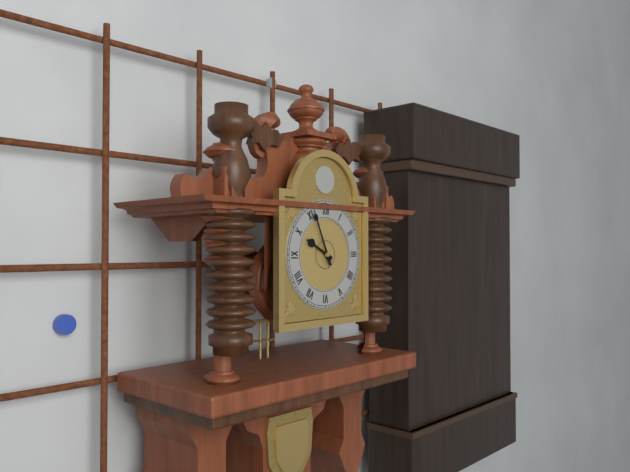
9:56
